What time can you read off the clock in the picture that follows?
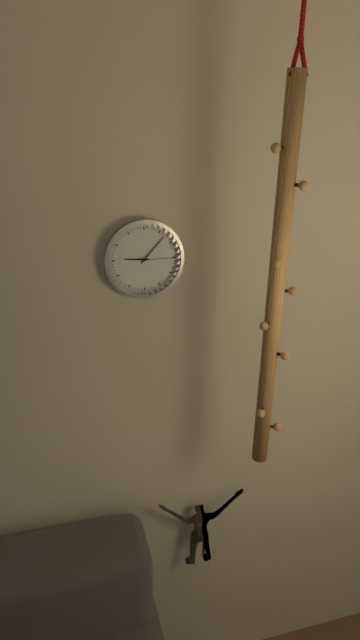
9:07
